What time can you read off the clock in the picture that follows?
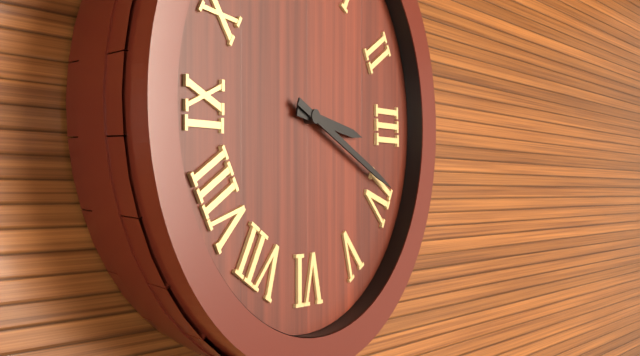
3:19
